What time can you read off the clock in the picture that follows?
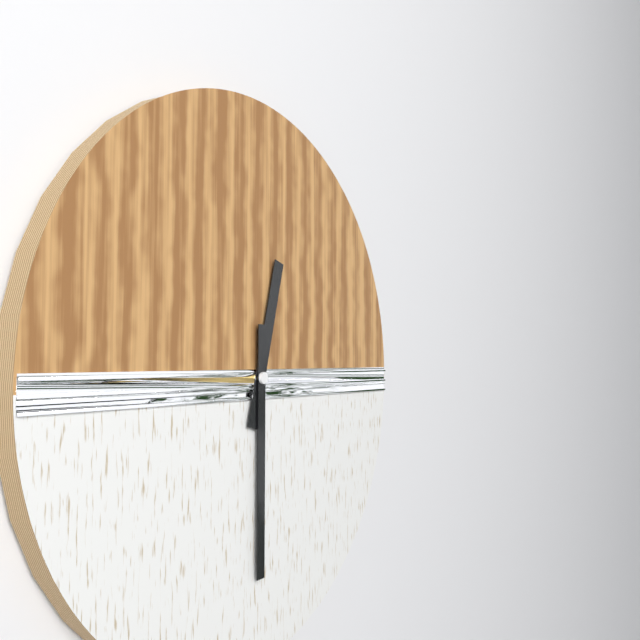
12:30
